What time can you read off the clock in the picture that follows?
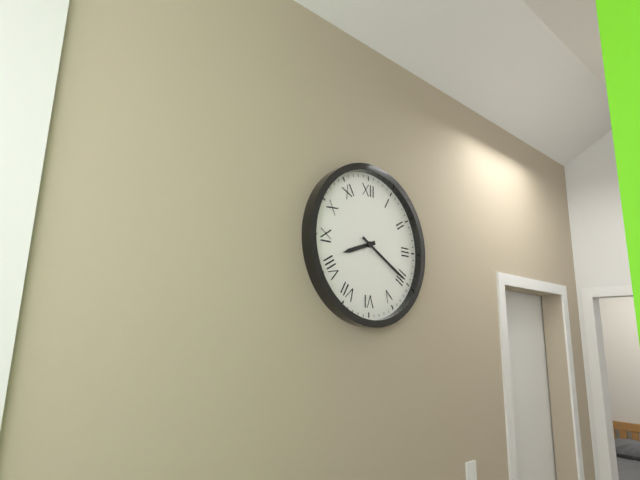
8:20
